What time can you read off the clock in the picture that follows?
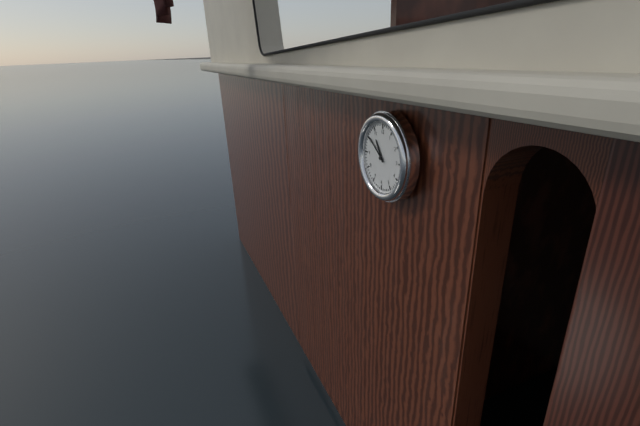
10:51
